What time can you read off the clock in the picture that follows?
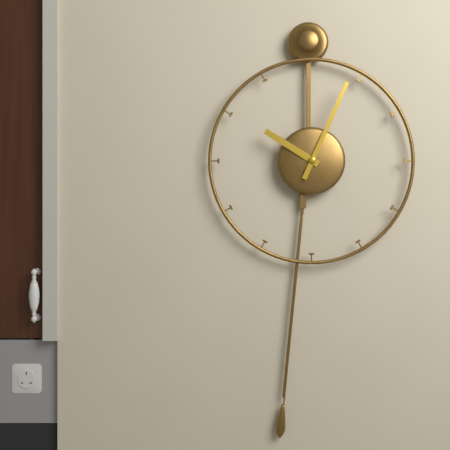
10:04
